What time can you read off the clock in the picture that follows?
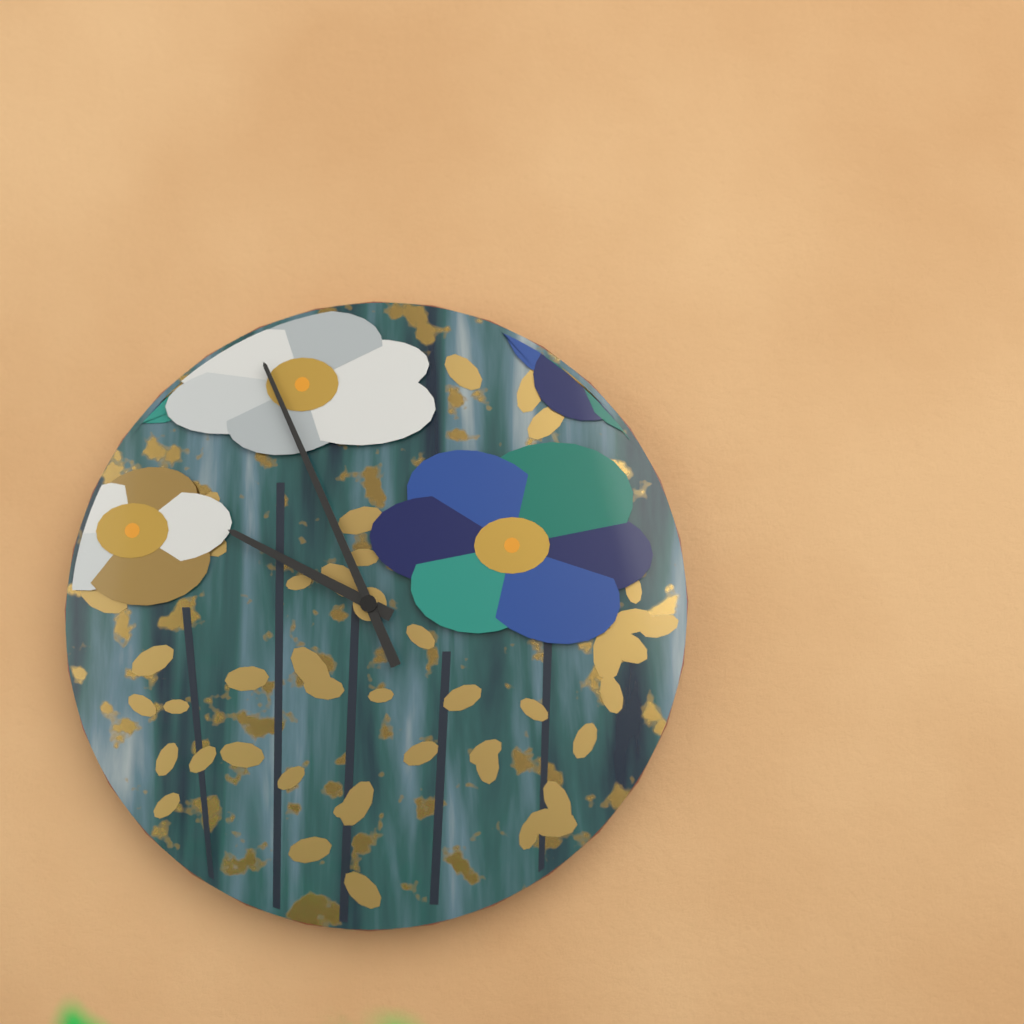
9:56
